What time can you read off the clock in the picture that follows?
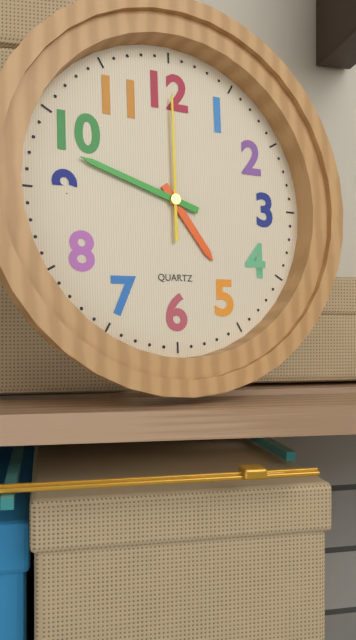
4:48:00
